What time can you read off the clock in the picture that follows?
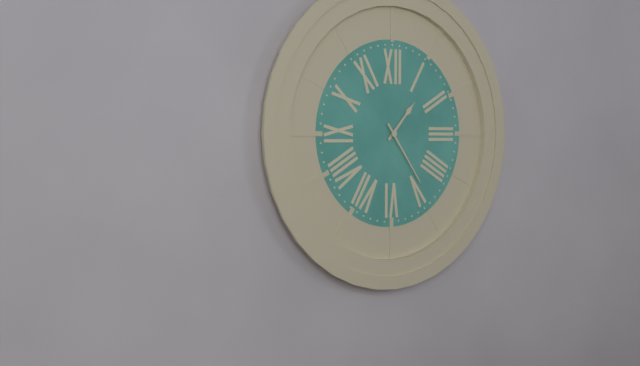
1:24
